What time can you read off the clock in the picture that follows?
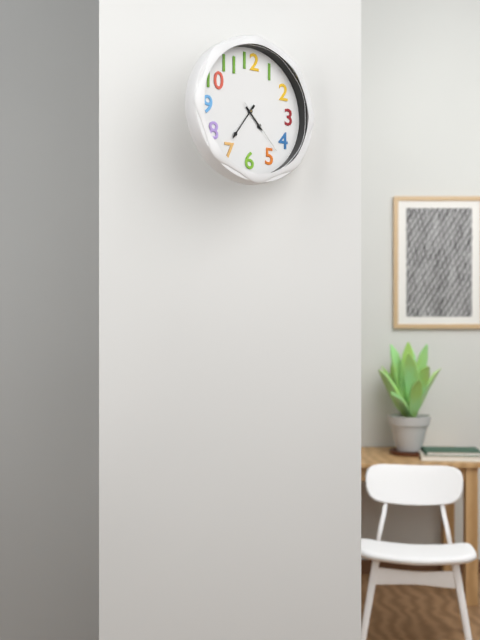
4:36:23
